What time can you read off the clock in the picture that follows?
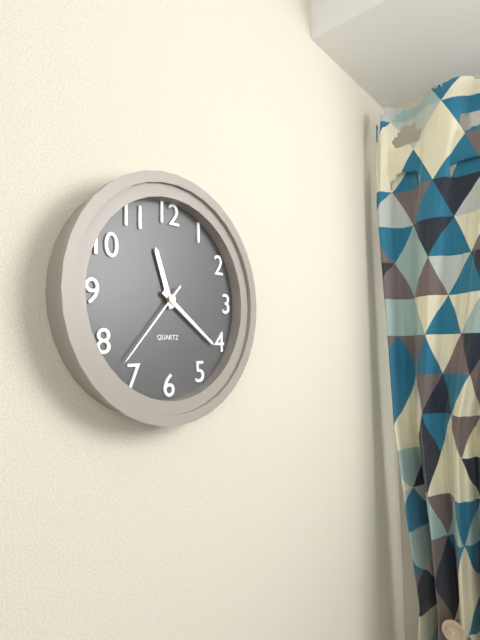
11:21:37
